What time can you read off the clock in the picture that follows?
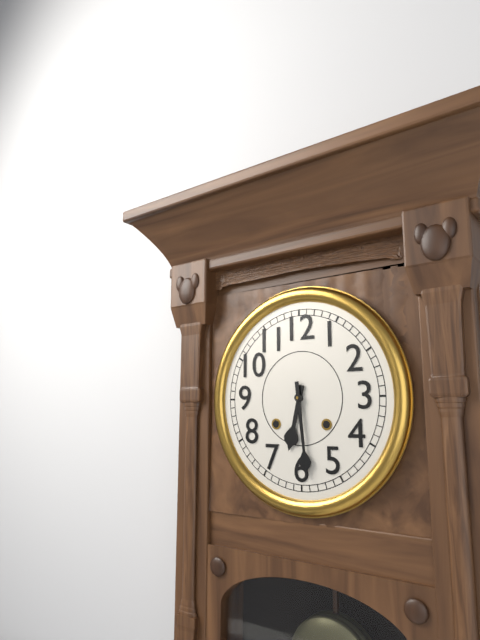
6:29
